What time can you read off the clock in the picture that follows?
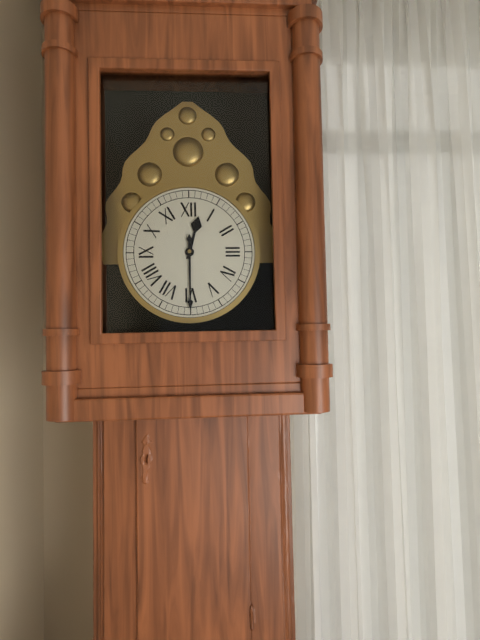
12:30
